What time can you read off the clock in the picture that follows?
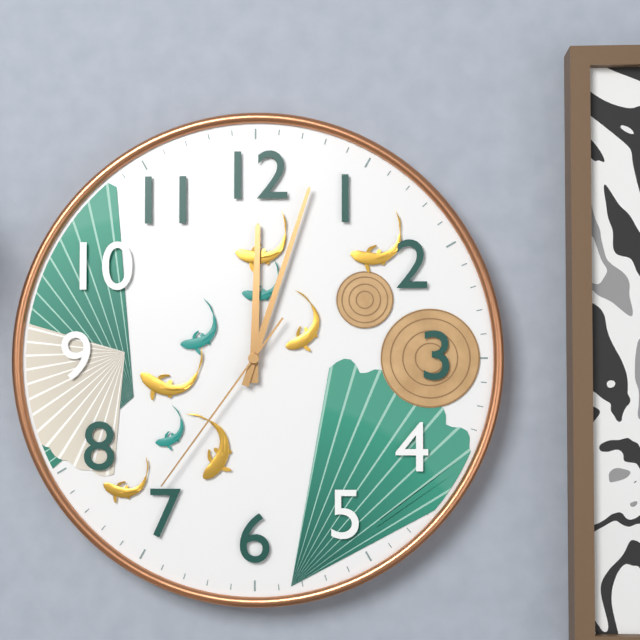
12:03:36
